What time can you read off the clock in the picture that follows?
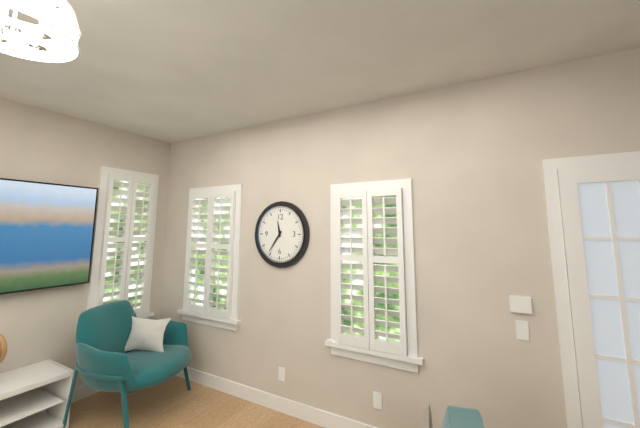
11:36
